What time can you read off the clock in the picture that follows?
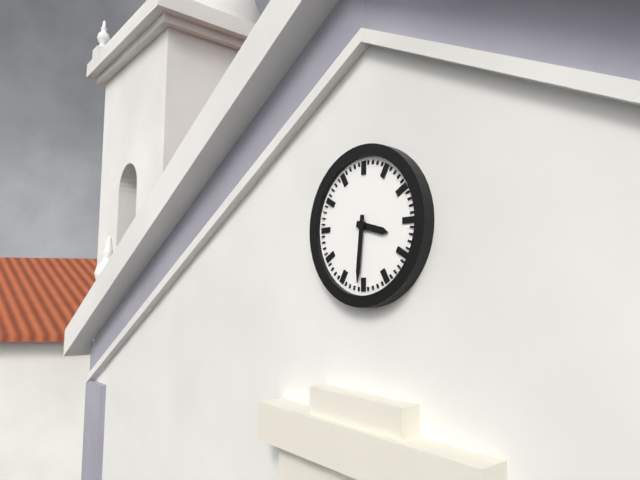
3:31
